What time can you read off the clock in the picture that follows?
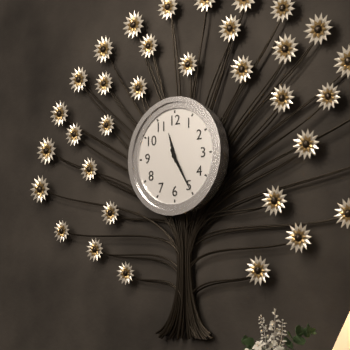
11:25
